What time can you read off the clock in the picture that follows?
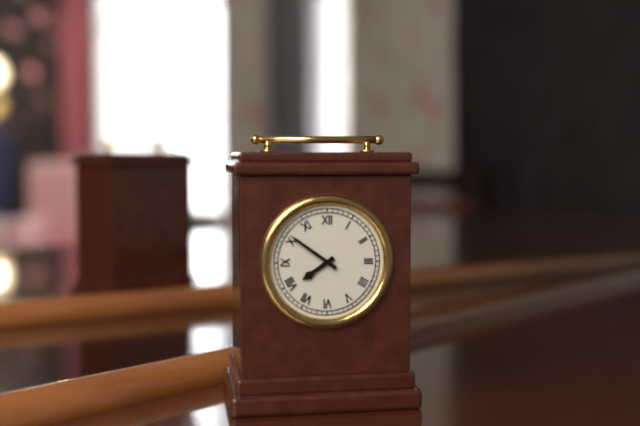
7:51
